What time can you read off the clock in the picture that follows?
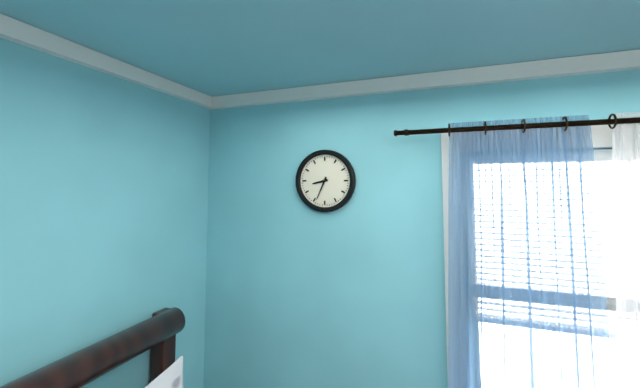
8:34
